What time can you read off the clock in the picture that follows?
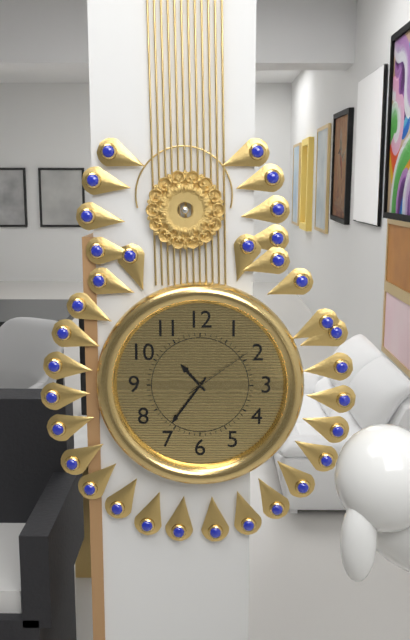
10:36:09
